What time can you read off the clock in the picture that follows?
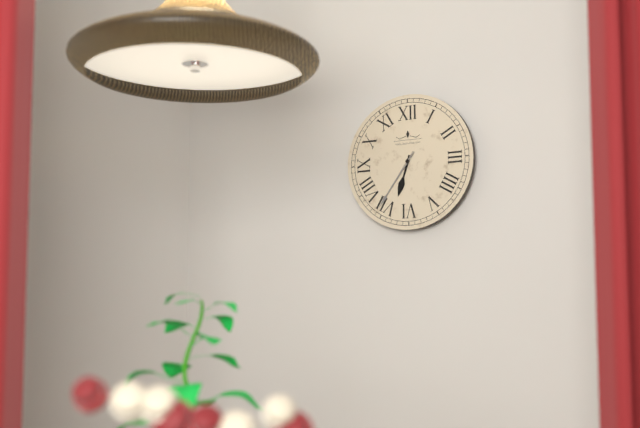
6:36
